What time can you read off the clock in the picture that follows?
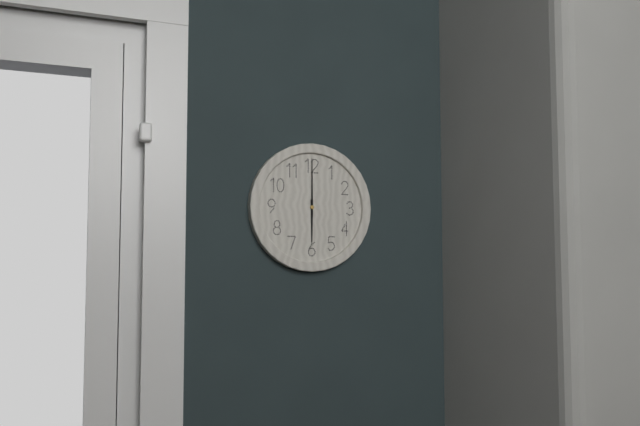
6:00
